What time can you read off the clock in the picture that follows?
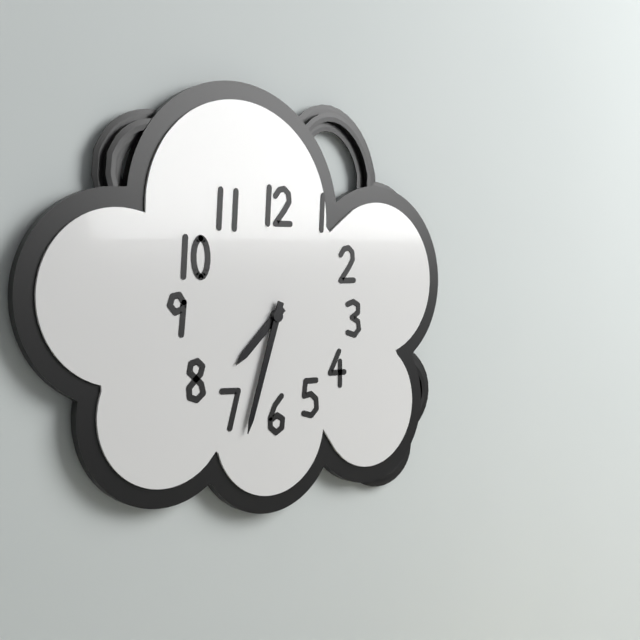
7:33
